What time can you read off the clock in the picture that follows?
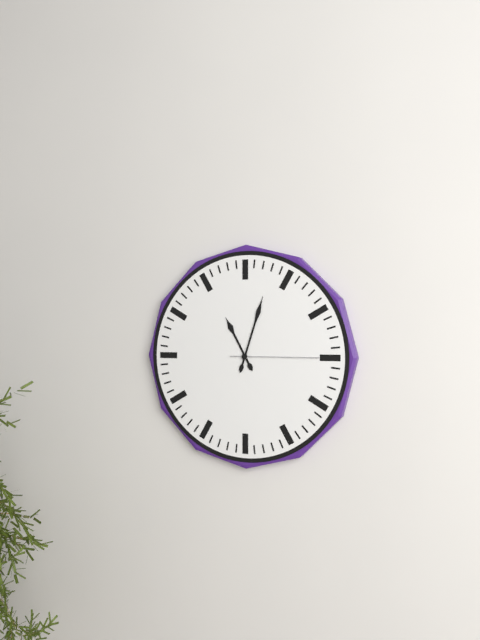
11:03:15
